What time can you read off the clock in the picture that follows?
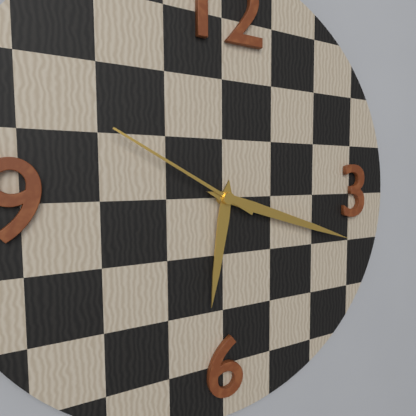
6:18:50
